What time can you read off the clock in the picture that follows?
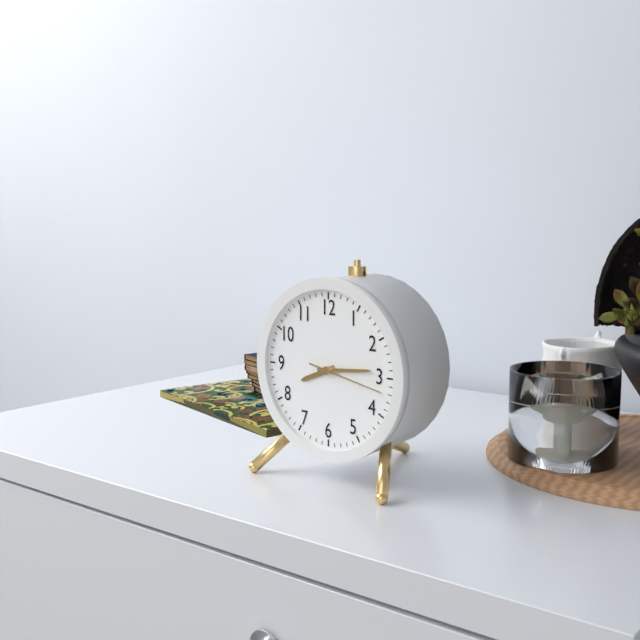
8:14:17
